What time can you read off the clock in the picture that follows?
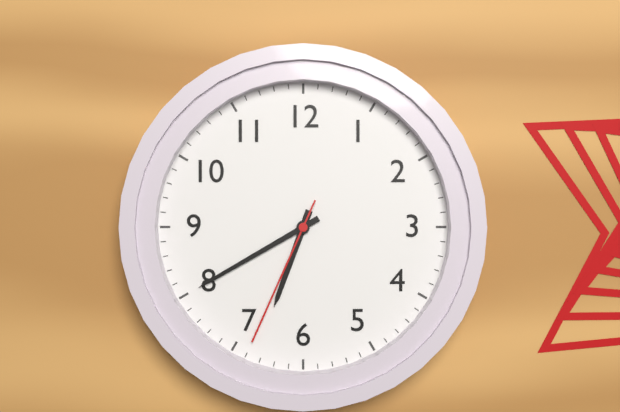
6:40:34
